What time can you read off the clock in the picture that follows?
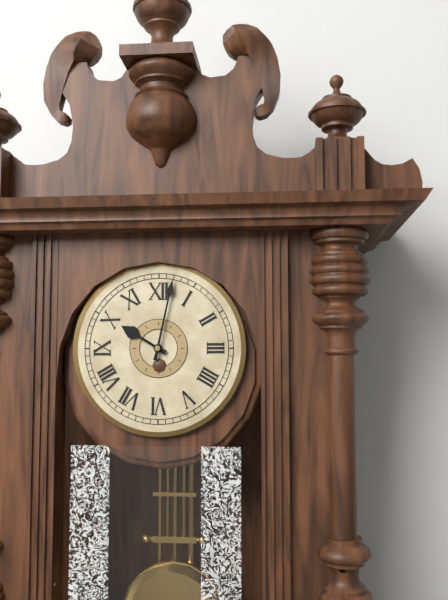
10:02
